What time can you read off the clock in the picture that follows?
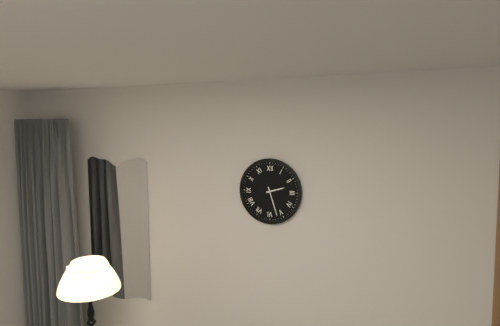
2:27
